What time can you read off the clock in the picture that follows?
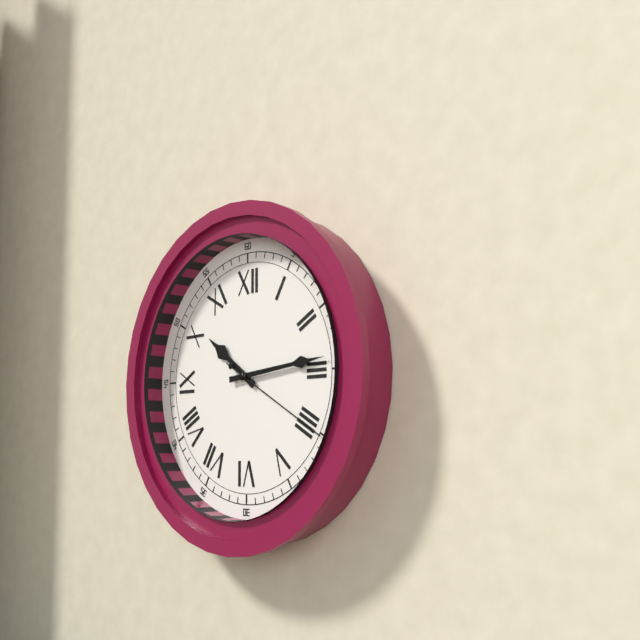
10:14:20
